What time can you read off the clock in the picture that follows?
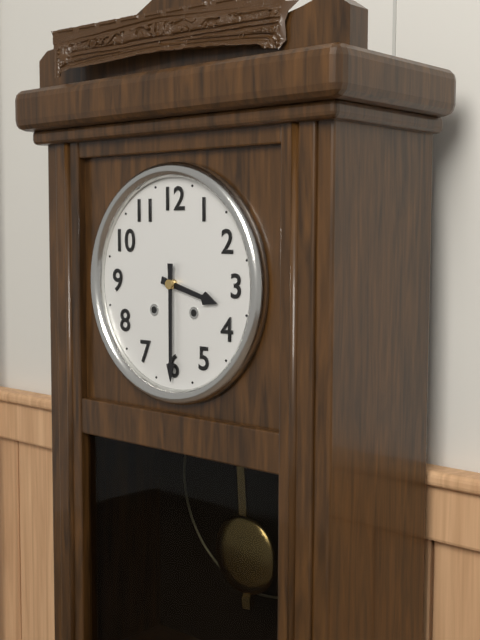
3:30
